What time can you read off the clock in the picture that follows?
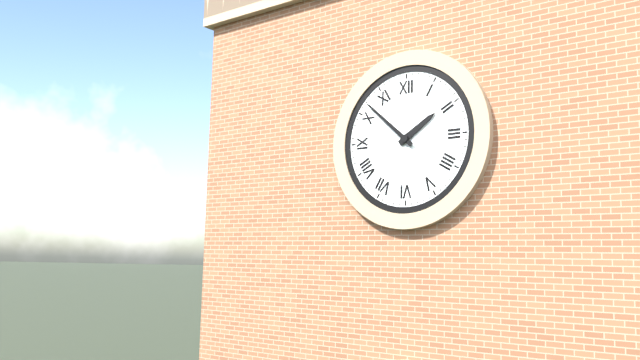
1:52
